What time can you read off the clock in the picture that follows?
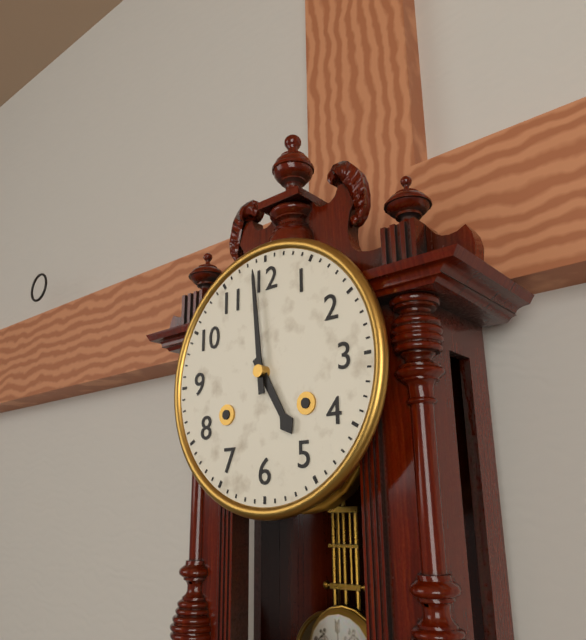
4:59
